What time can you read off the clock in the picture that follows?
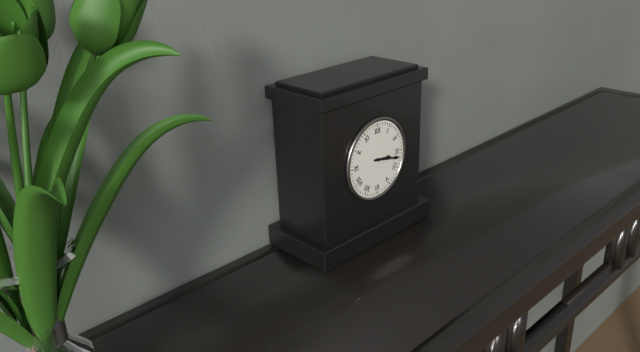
3:17
